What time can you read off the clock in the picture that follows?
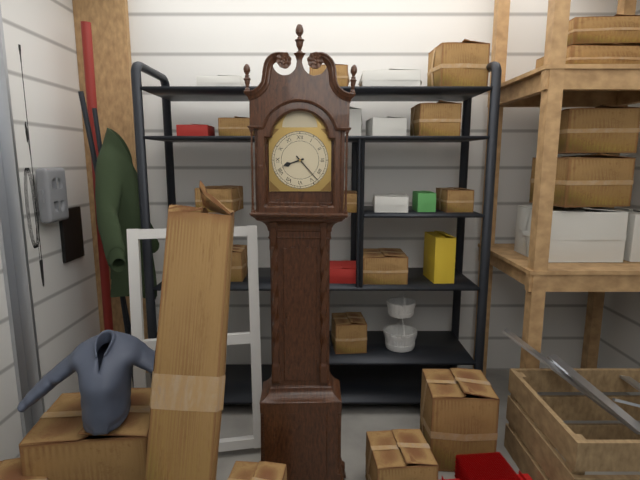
8:23
